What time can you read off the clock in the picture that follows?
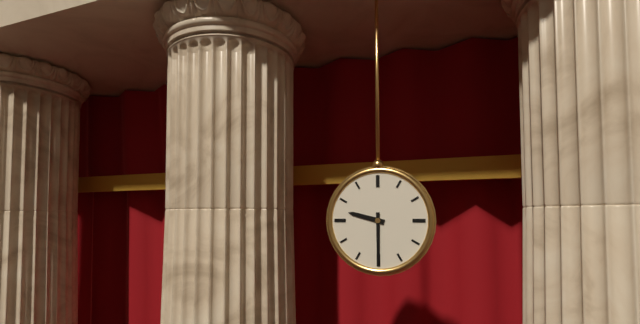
9:30
